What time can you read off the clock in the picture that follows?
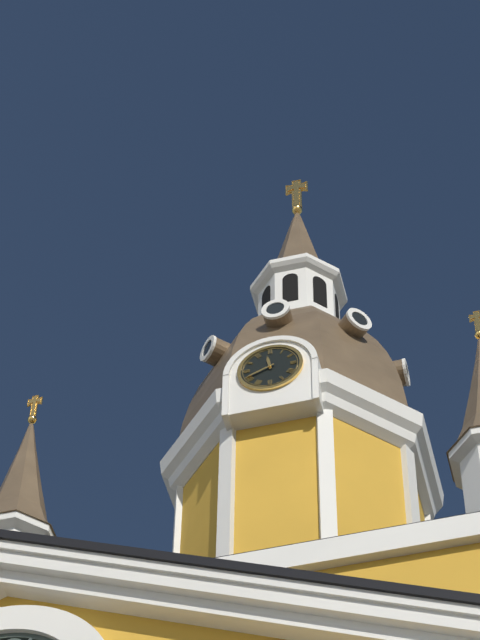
11:41
